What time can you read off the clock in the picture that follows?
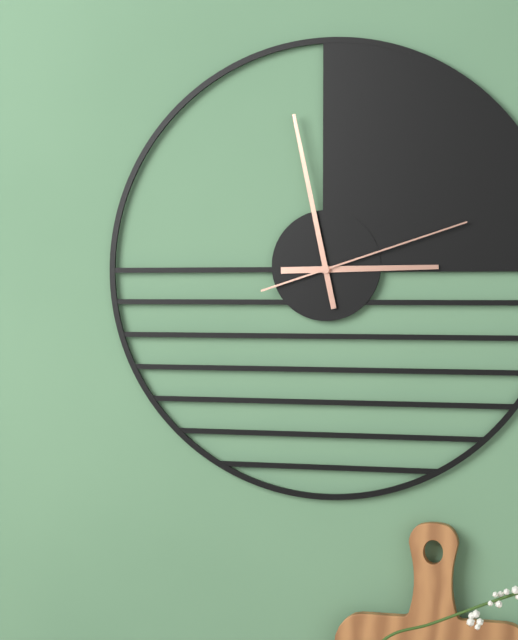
2:58:12
